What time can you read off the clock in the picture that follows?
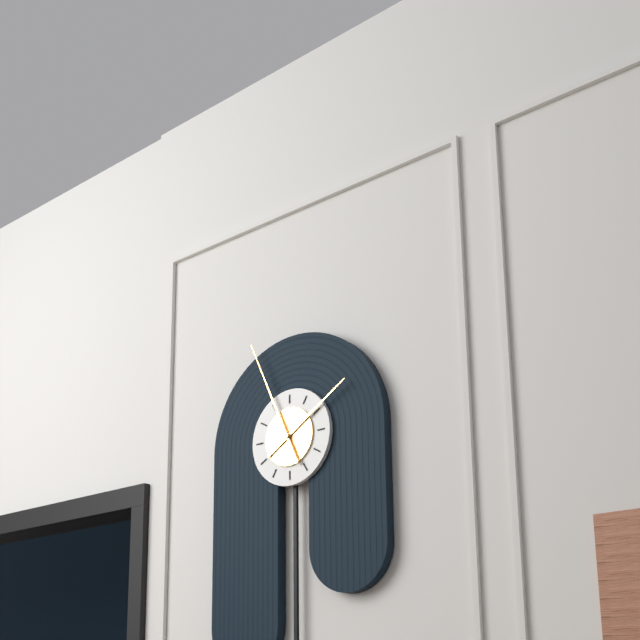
1:56
